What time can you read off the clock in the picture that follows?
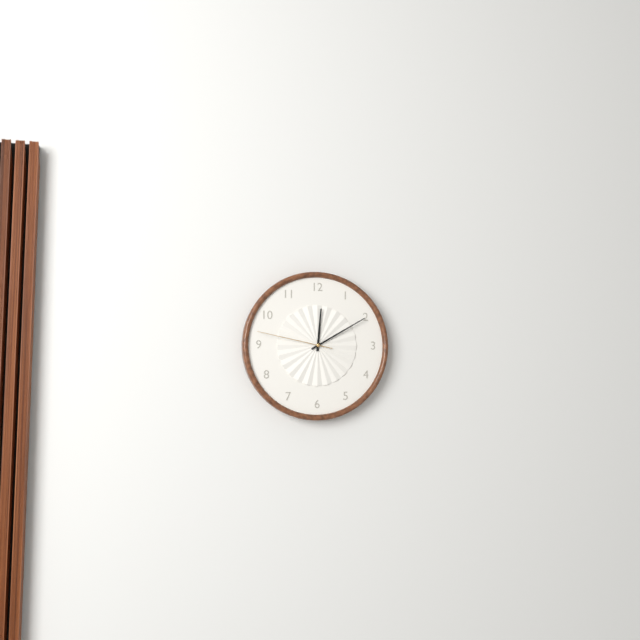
12:10:47
